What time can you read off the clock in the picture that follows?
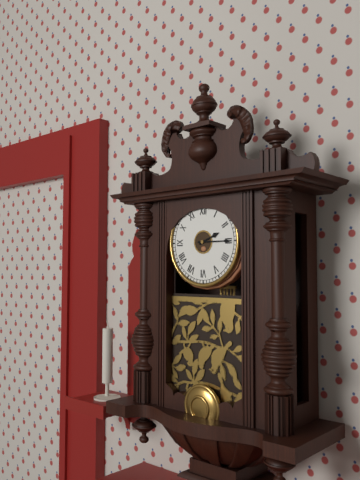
2:15
